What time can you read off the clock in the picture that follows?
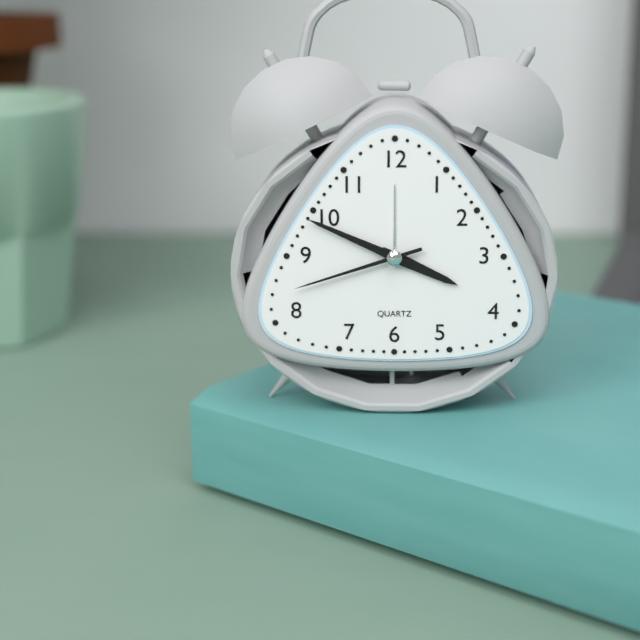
3:49:42
